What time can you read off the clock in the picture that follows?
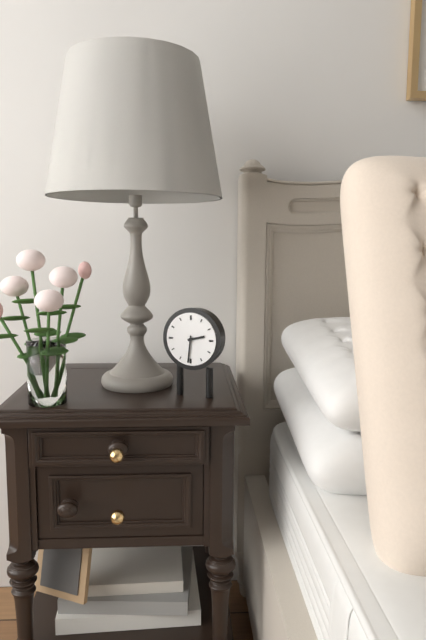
2:31
